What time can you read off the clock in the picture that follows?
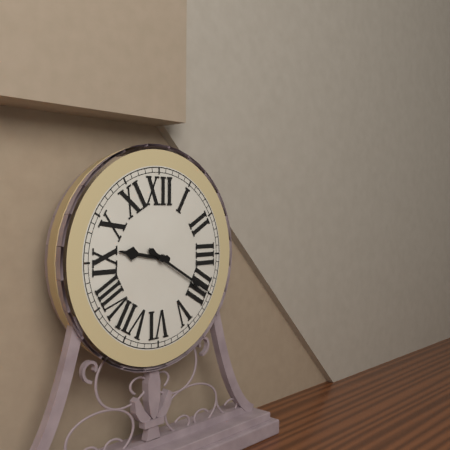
9:20
